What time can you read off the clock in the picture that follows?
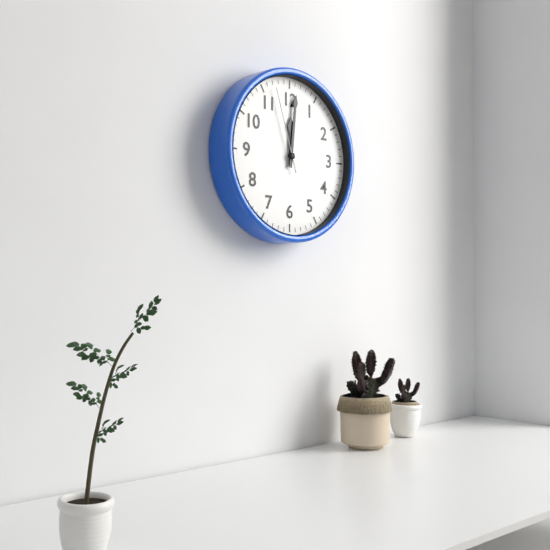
12:01:57
